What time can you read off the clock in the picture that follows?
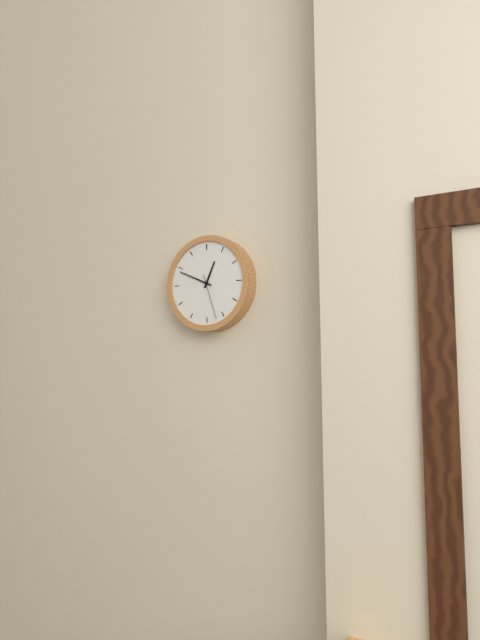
12:49
